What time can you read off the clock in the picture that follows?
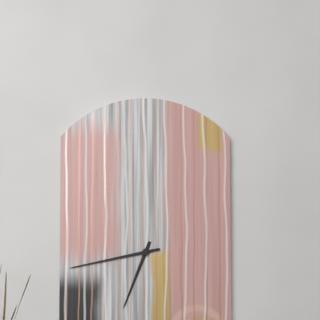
6:43
